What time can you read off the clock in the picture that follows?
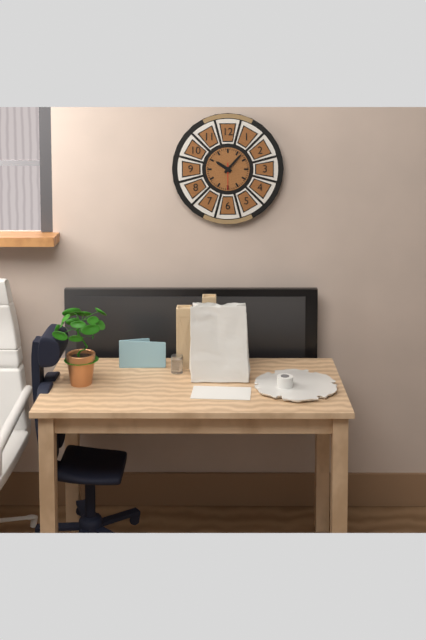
10:07
